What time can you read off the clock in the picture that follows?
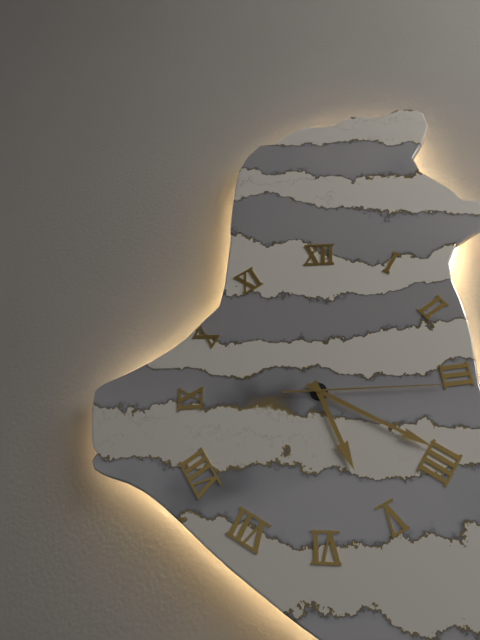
5:20:15
